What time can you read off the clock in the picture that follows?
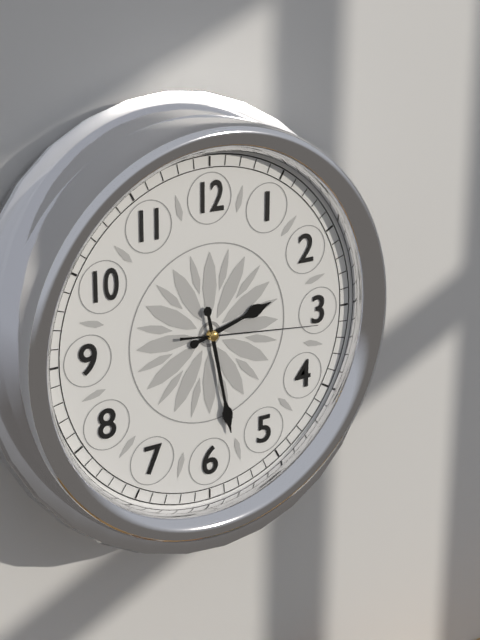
2:28:16
